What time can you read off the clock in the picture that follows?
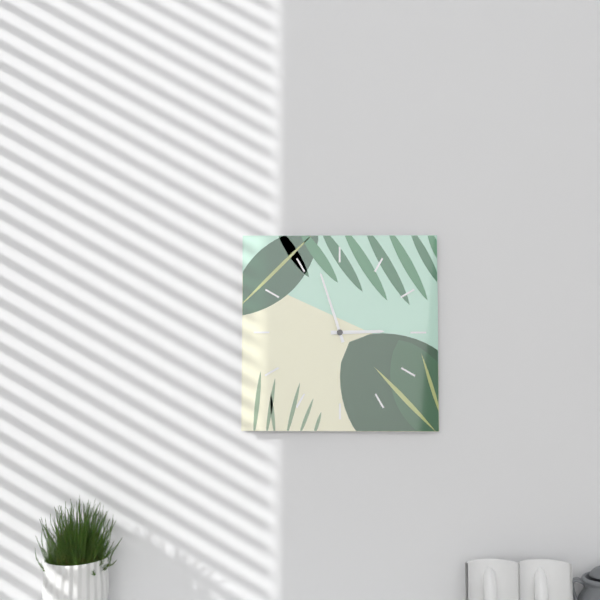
2:57
